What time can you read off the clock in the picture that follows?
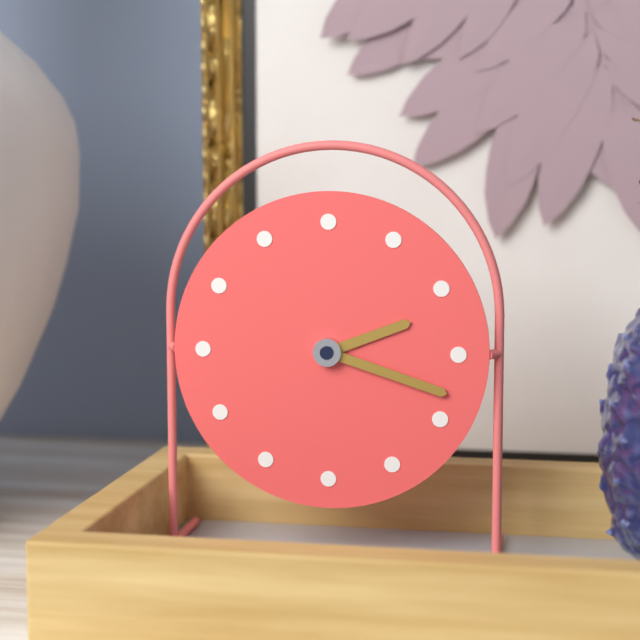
2:18
